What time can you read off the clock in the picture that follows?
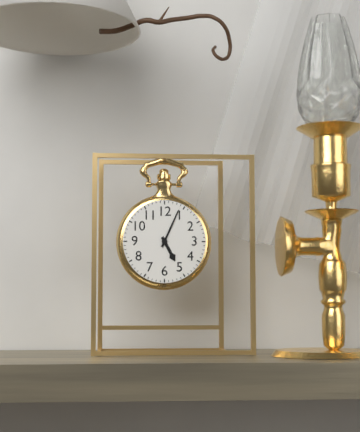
5:04
